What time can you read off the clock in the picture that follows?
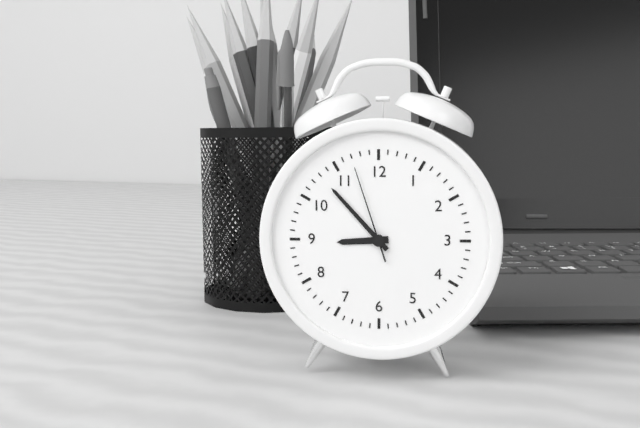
8:53:57
